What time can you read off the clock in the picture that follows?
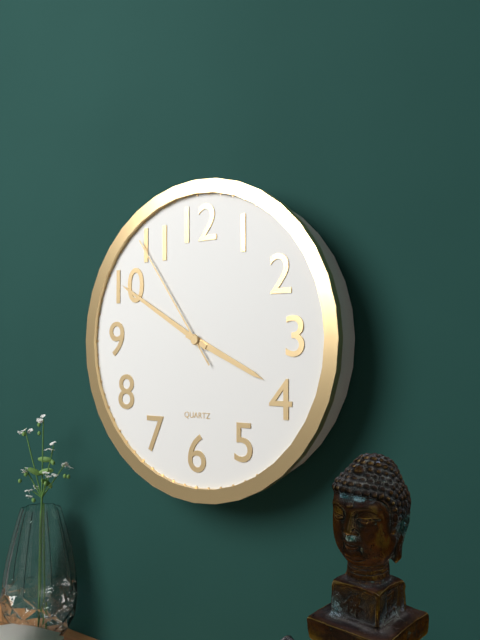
3:50:54
